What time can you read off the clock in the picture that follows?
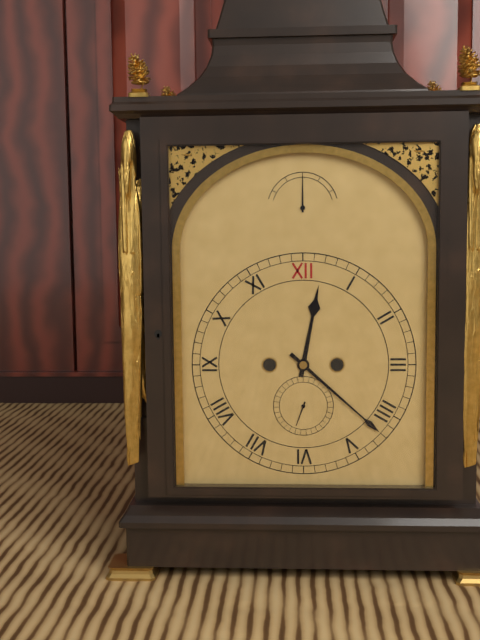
12:22
